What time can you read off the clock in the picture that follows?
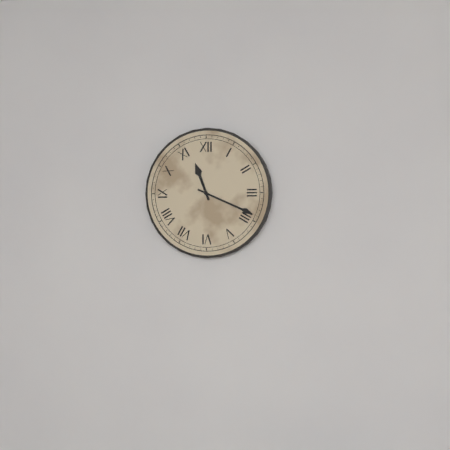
11:19
